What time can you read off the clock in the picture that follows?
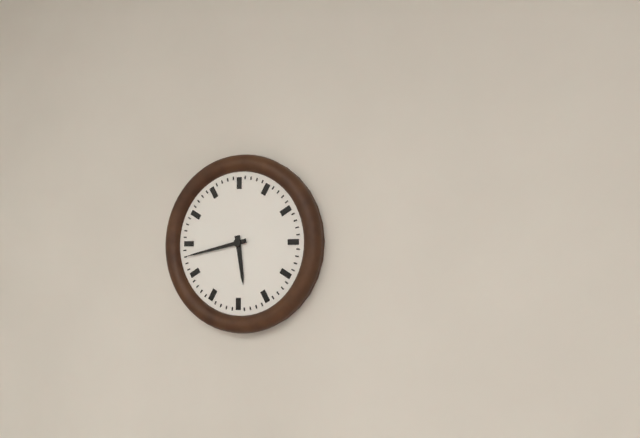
5:43
